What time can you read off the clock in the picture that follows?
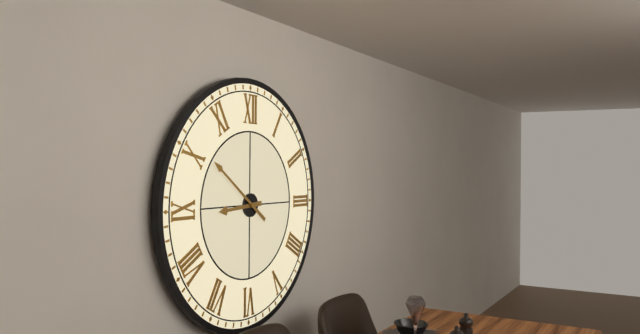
8:51
